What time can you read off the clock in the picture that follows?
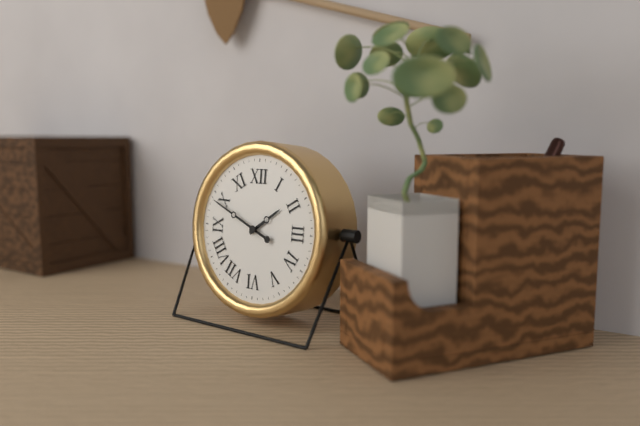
1:49
